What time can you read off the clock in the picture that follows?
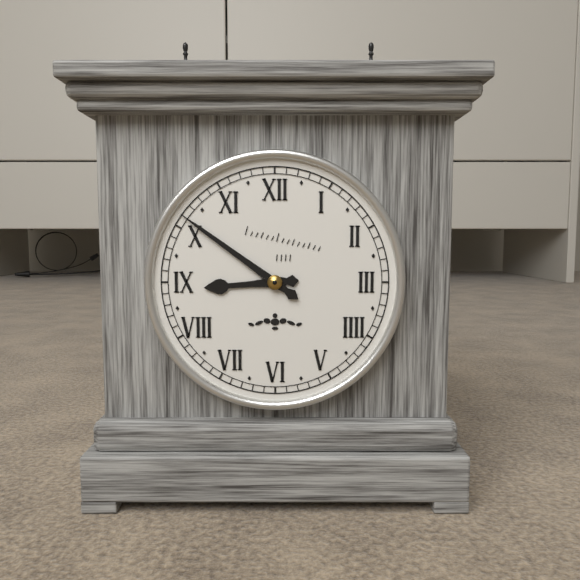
8:51
